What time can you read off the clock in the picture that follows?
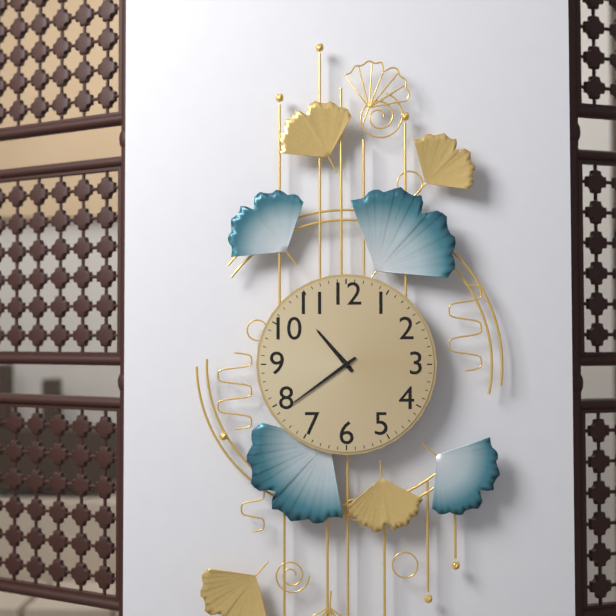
10:39
